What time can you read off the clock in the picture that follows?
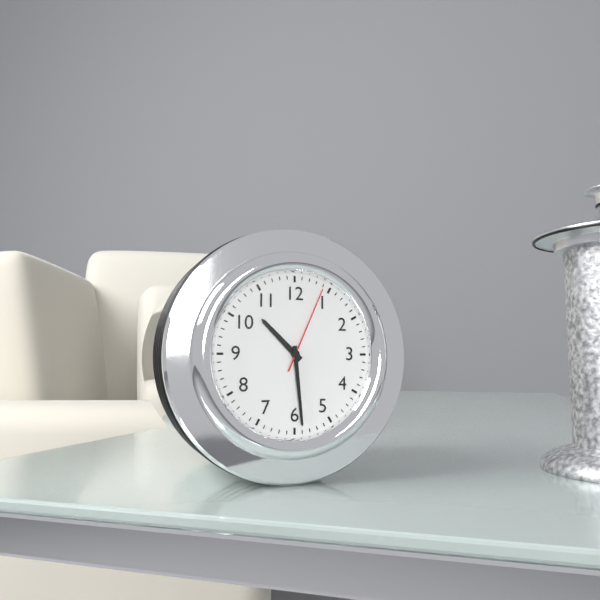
10:29:04
